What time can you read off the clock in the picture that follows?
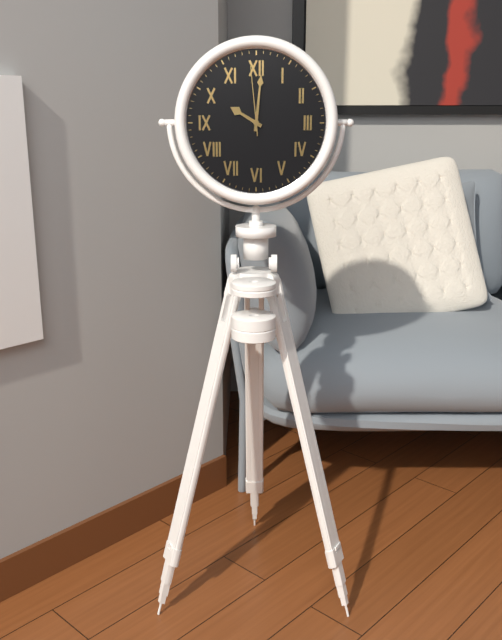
10:01:59
